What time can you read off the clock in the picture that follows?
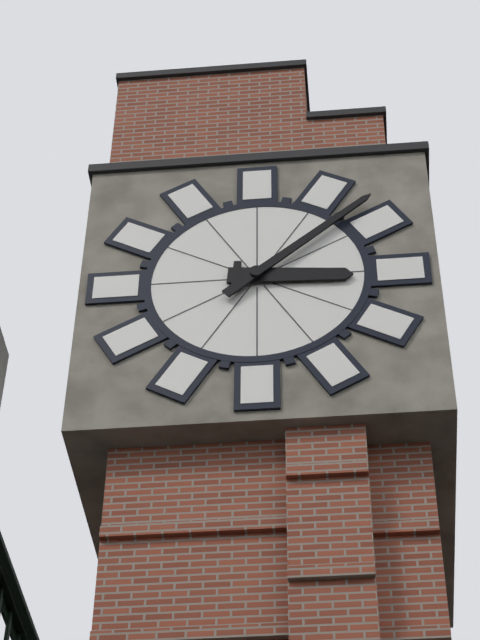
3:08
